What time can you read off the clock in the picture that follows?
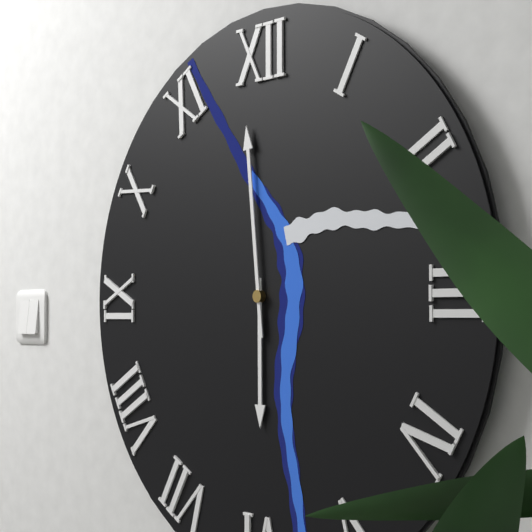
5:59
